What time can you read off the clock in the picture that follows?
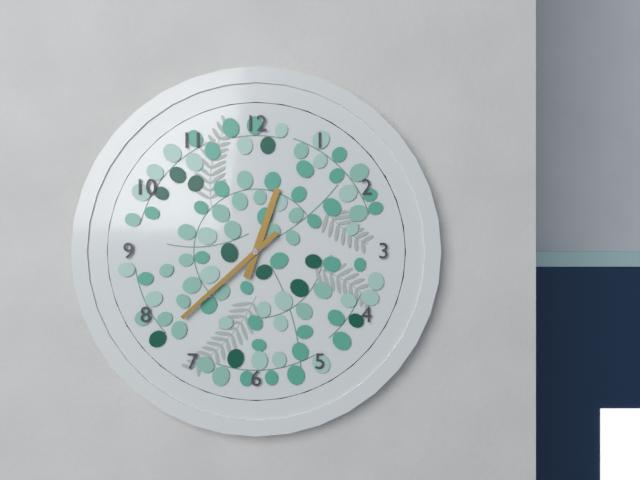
12:38
